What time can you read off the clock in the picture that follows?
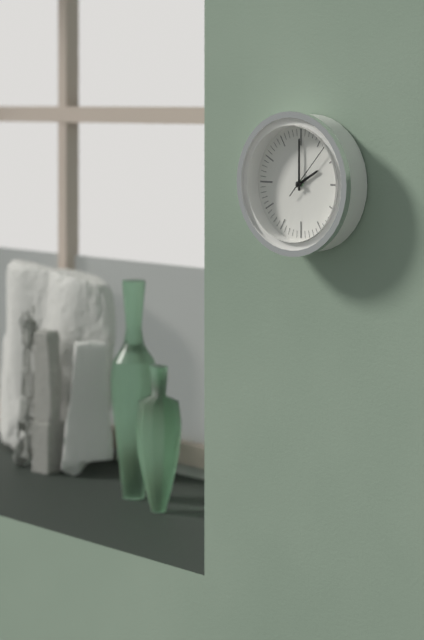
2:00:07
